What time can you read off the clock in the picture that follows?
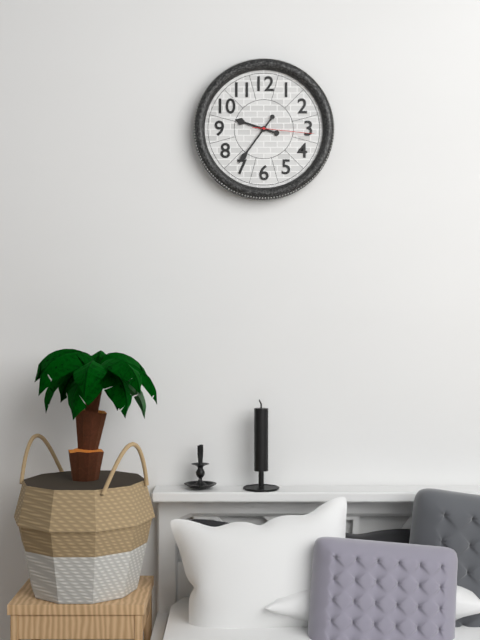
9:36:16
